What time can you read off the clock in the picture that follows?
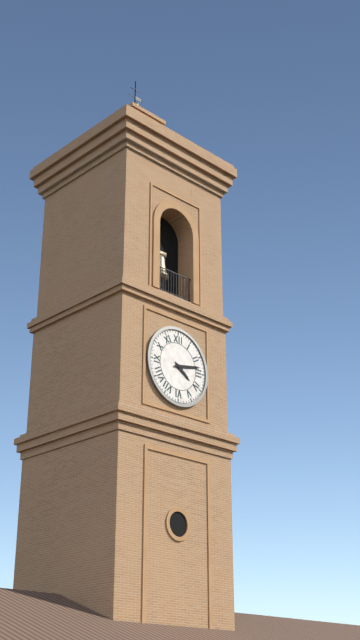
4:13
